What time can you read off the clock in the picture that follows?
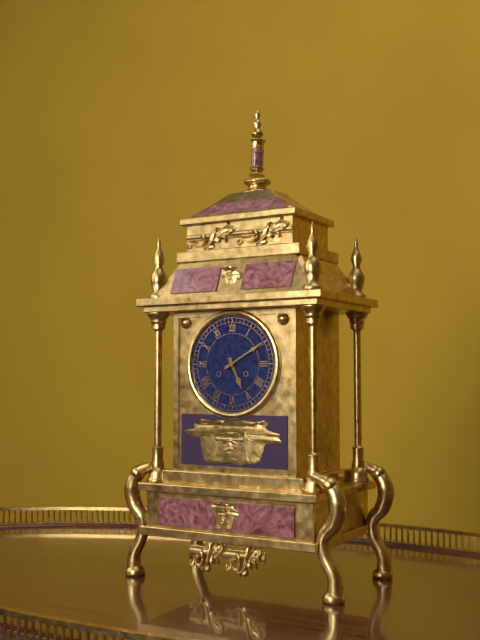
5:10
